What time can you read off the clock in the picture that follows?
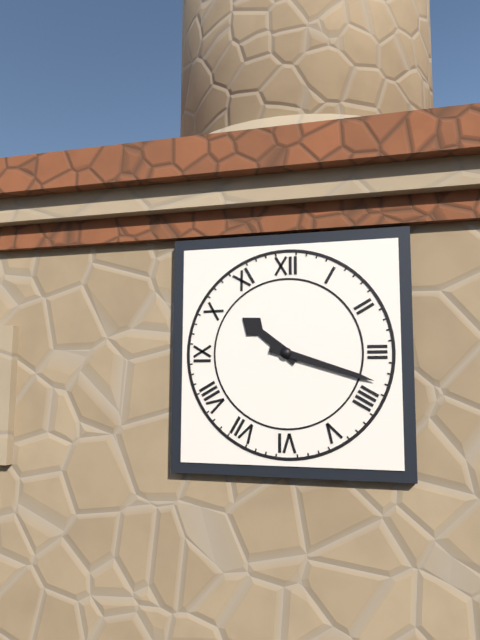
10:18
